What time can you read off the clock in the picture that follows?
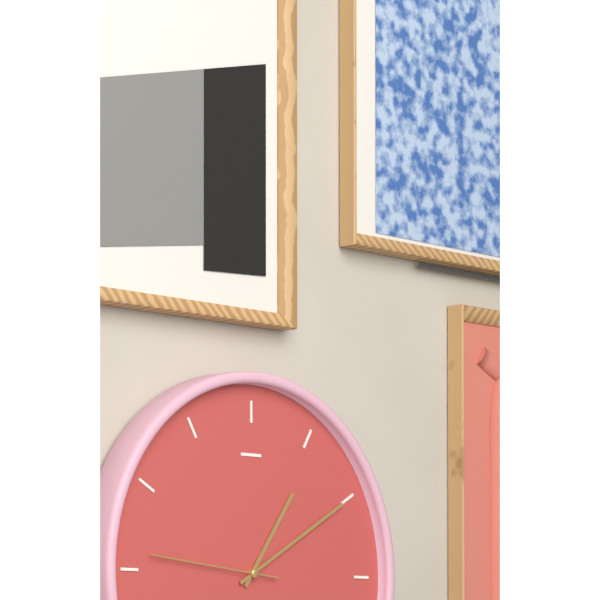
1:10:46
